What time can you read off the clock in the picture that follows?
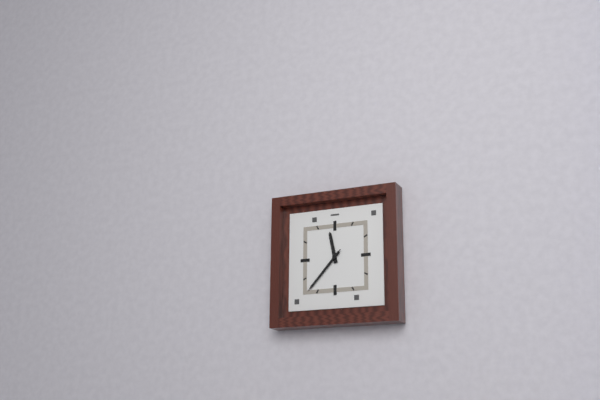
11:37:37
